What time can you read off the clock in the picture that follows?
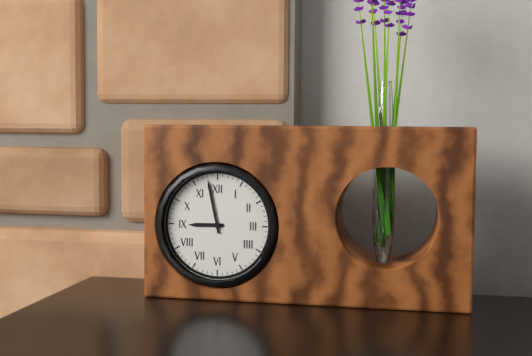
8:58
